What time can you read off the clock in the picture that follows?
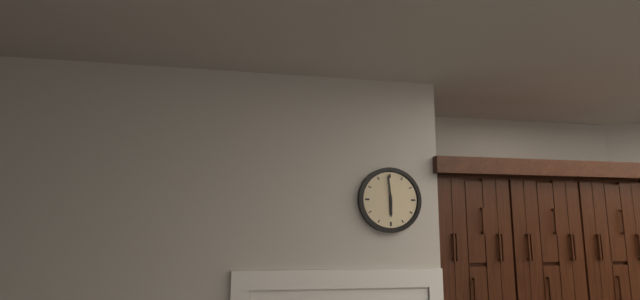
5:59
